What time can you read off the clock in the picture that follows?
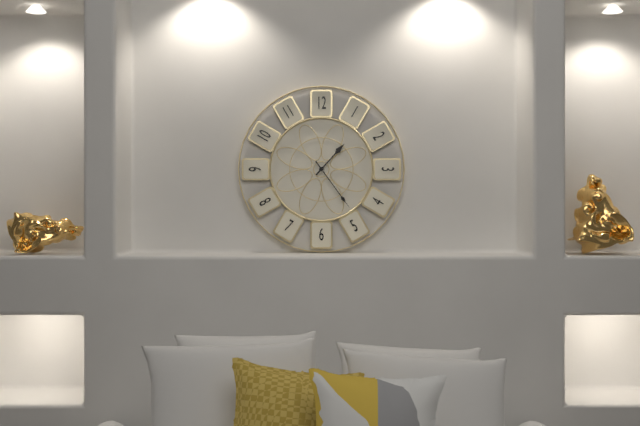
1:24
